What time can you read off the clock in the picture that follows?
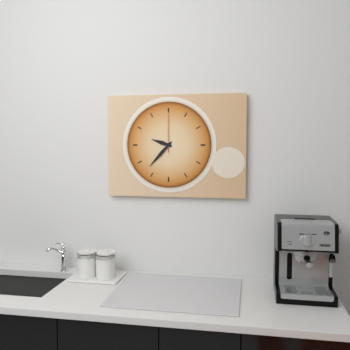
9:37
